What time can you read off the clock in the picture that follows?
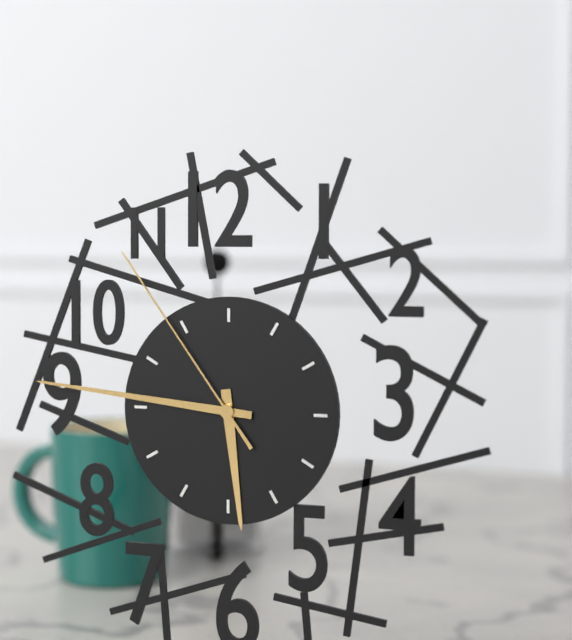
5:46:54
